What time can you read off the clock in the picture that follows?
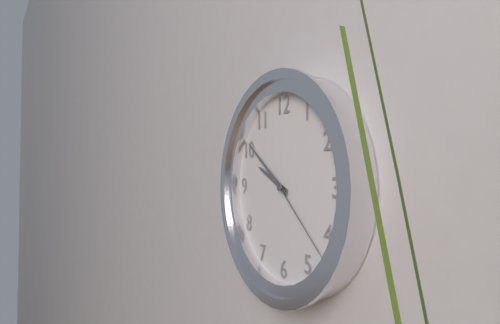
9:51:22
